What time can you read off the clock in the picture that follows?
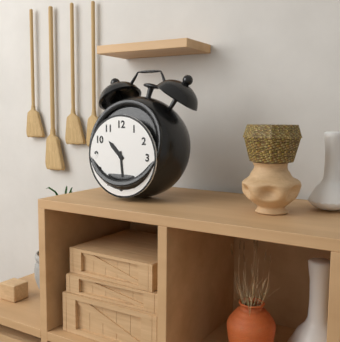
10:29
